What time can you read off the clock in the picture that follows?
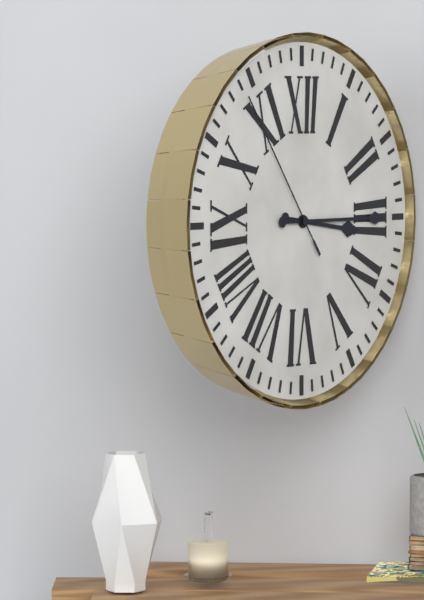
3:15:54
